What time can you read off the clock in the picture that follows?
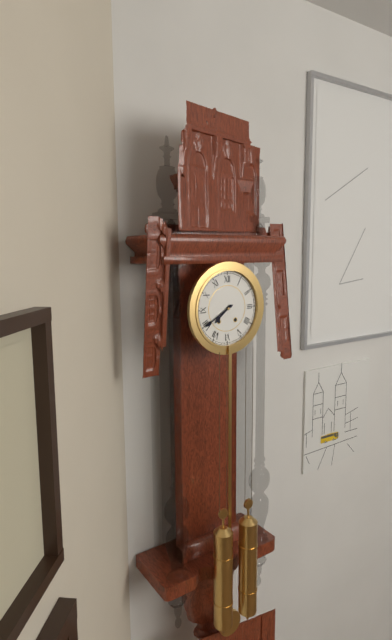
7:40
